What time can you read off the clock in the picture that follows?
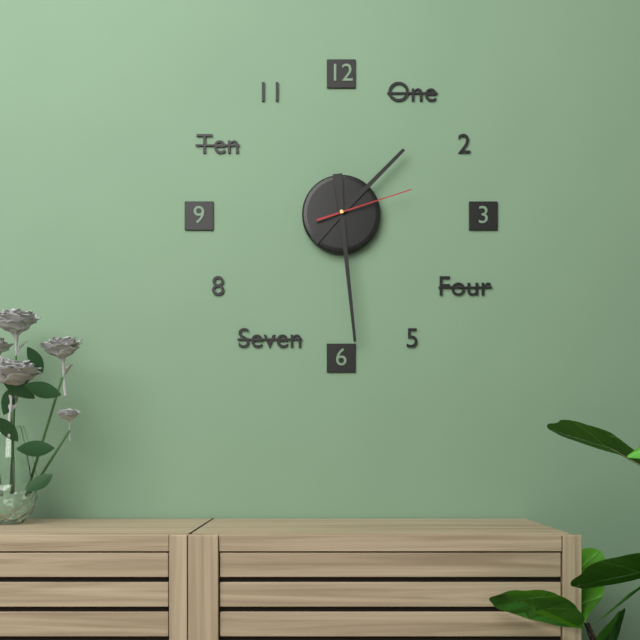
1:29:12
